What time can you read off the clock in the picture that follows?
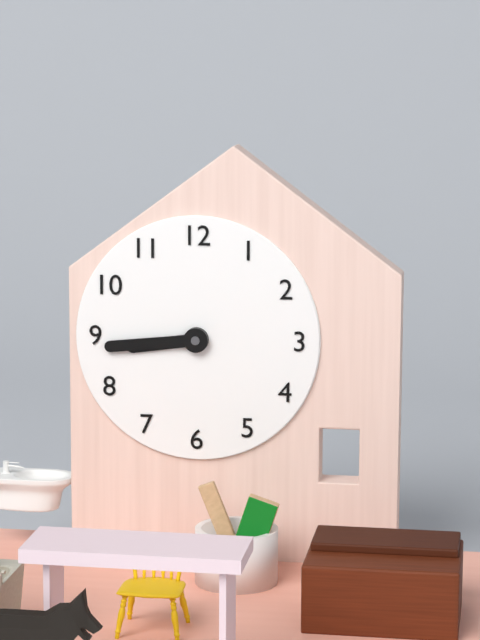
8:44
